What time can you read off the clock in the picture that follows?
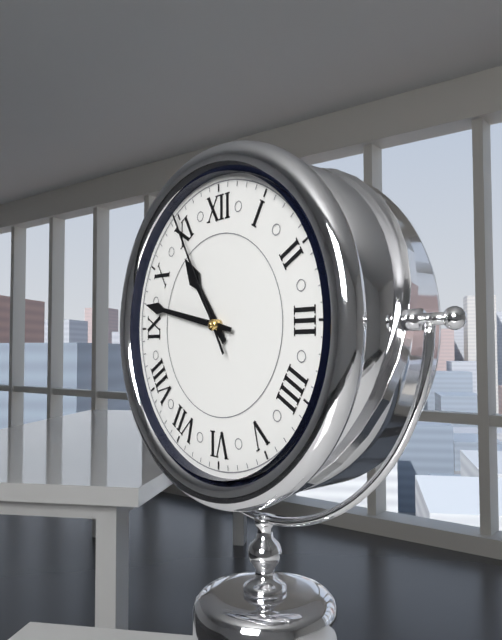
10:47:55
